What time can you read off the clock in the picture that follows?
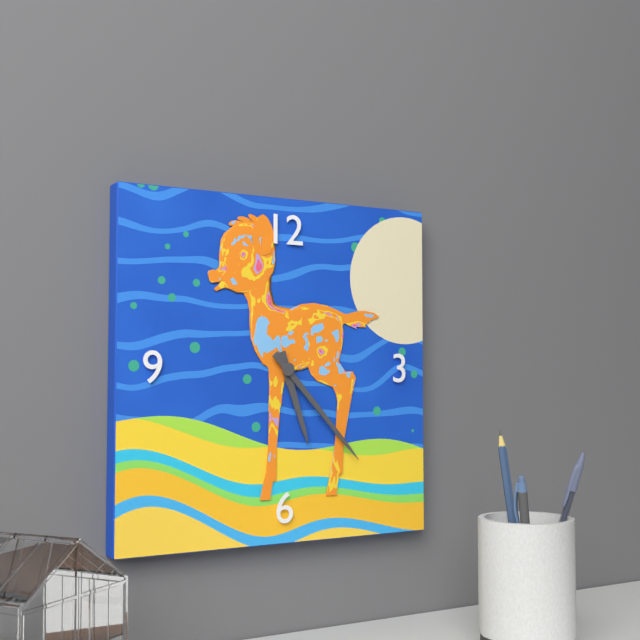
5:23
